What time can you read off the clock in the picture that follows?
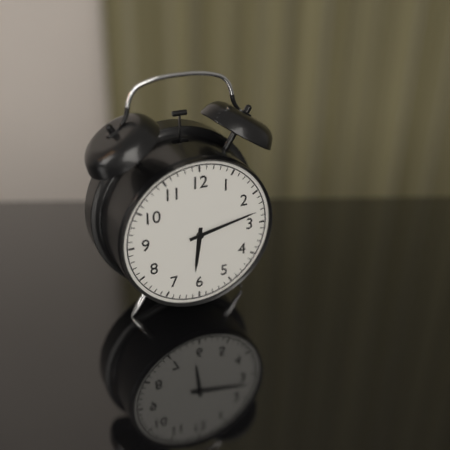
6:13
